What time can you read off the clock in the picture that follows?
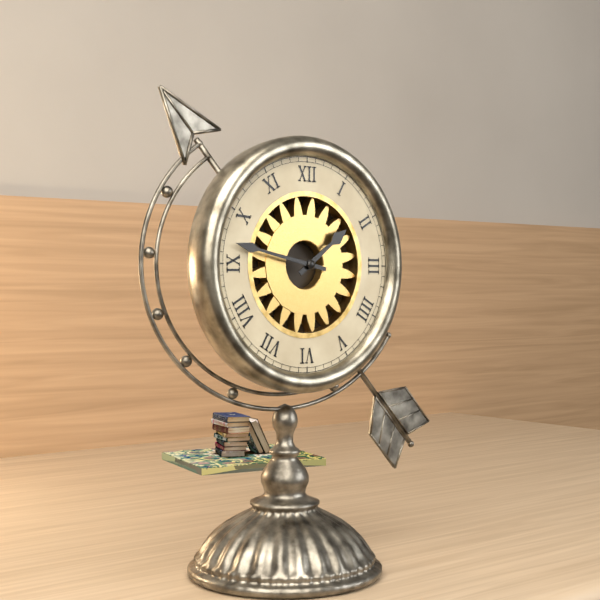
1:47
